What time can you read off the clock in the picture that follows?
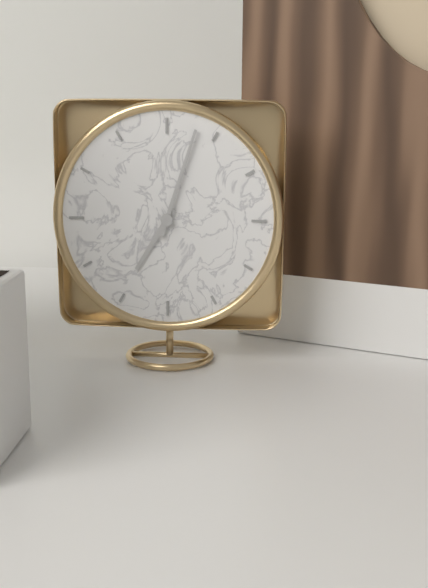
7:03
